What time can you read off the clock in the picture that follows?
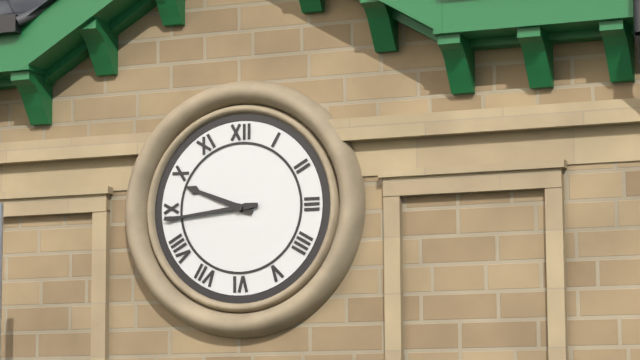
9:44
